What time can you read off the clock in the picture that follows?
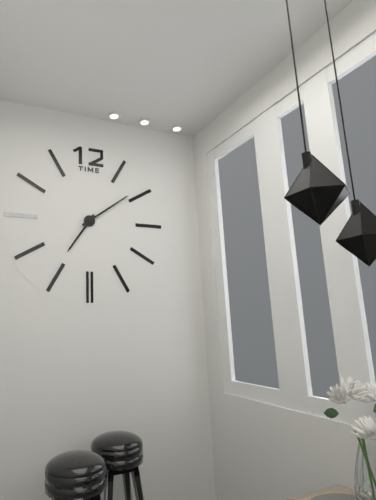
7:09
